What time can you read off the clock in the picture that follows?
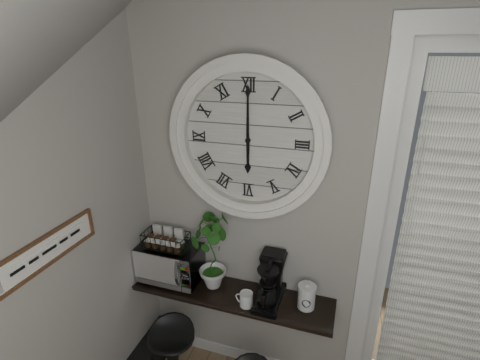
6:00
